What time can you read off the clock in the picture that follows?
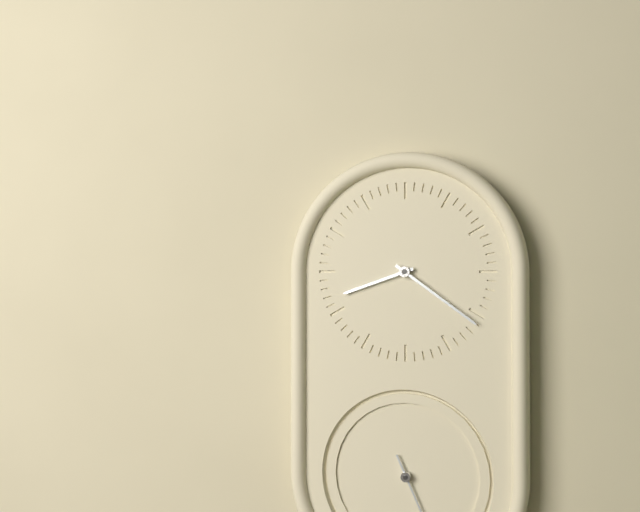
8:21
